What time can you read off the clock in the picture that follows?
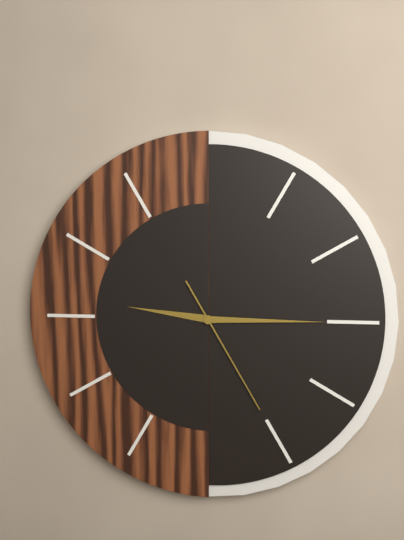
9:15:25
